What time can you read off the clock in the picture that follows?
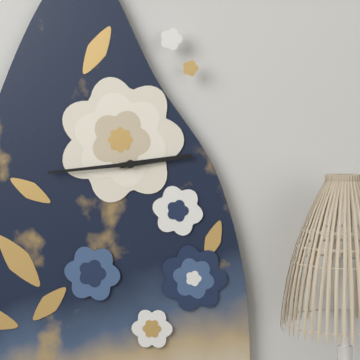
2:44
